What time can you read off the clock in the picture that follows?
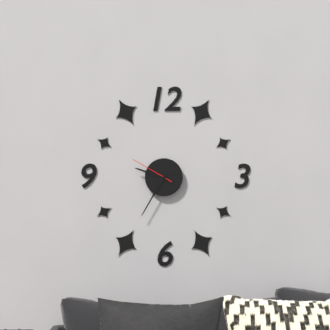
9:35
